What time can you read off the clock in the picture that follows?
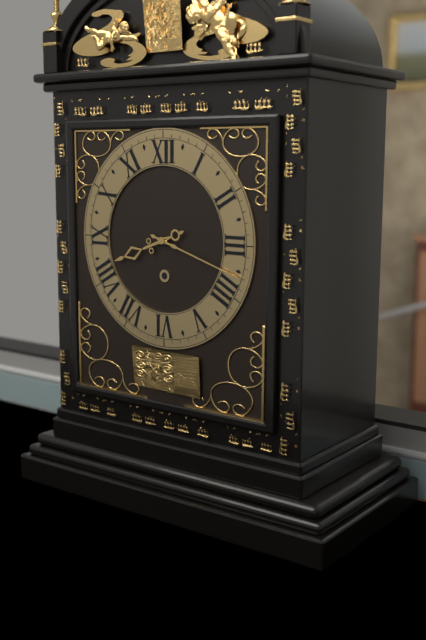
8:18
